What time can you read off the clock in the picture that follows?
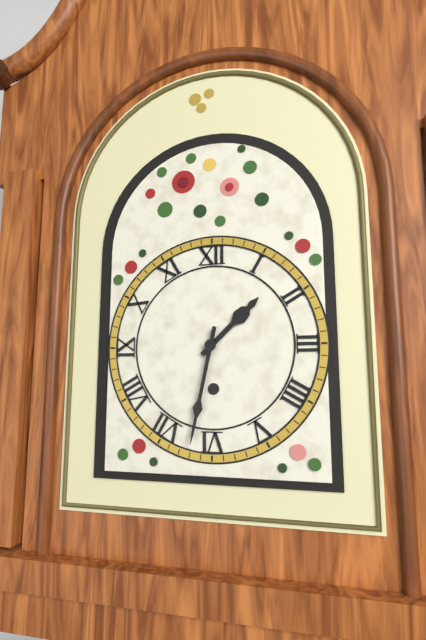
1:32
